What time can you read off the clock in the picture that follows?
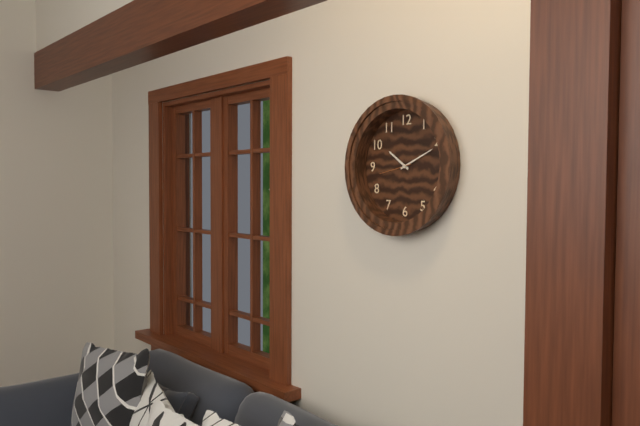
10:11
